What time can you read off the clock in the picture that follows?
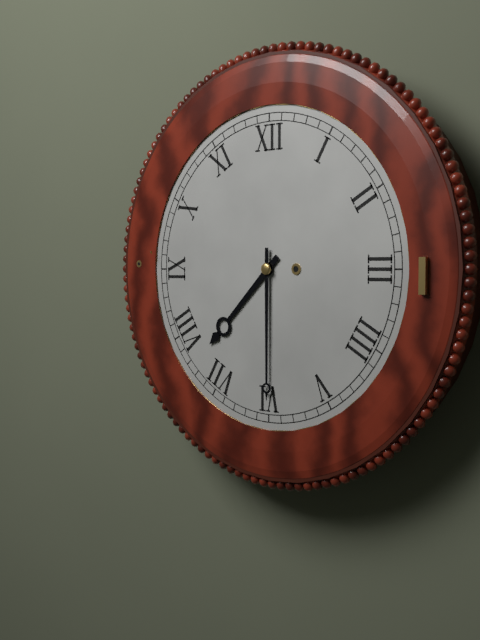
7:30
